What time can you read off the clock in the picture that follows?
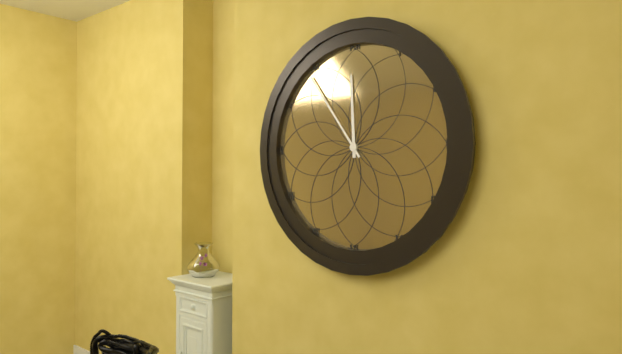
11:54
